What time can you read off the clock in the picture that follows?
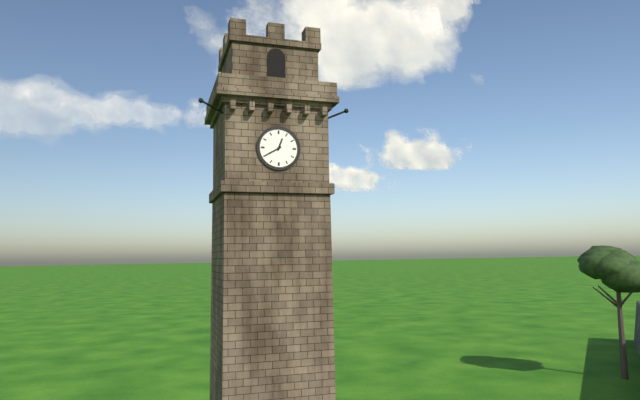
12:40
